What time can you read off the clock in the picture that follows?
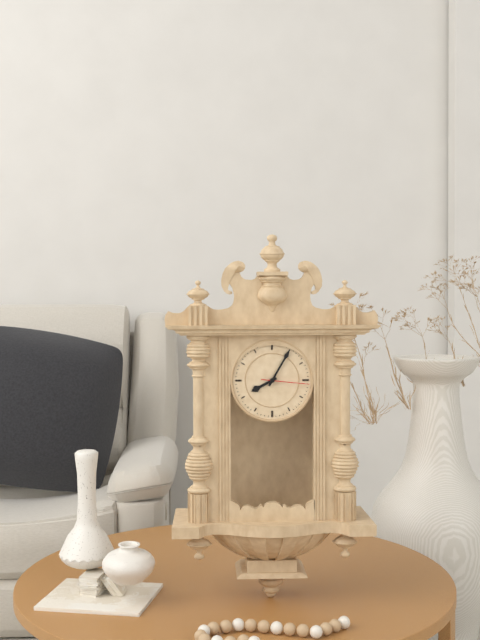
8:05
